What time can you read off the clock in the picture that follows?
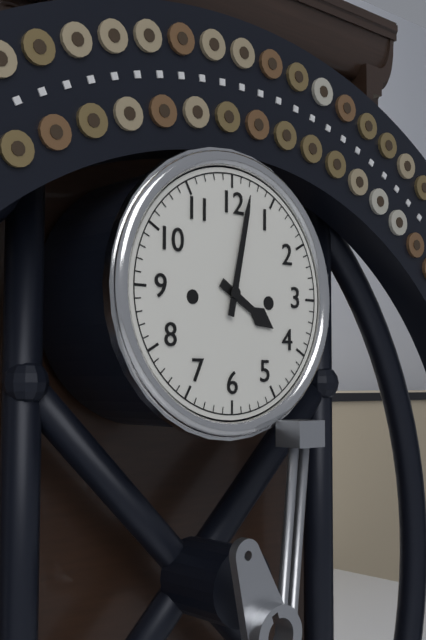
4:02
